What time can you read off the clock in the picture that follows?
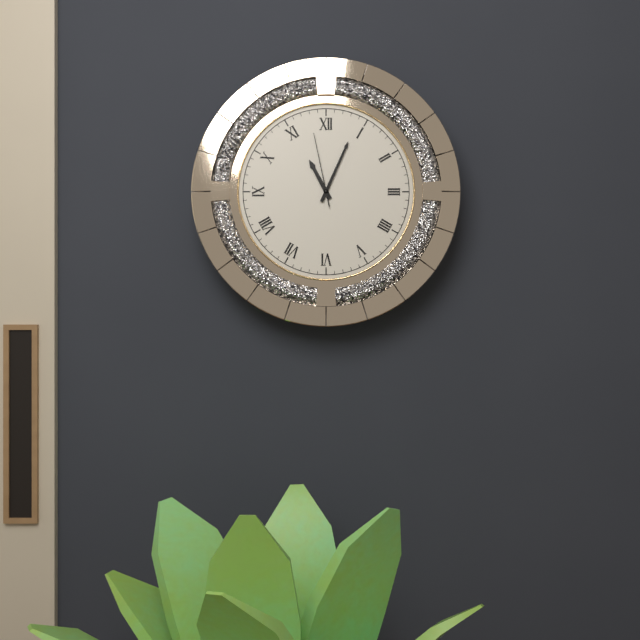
11:04:58
